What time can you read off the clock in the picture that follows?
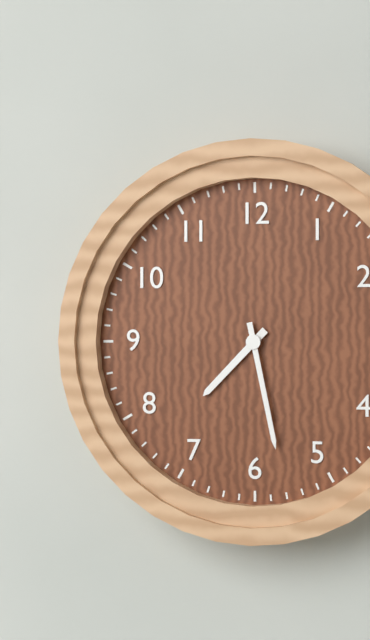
7:28
